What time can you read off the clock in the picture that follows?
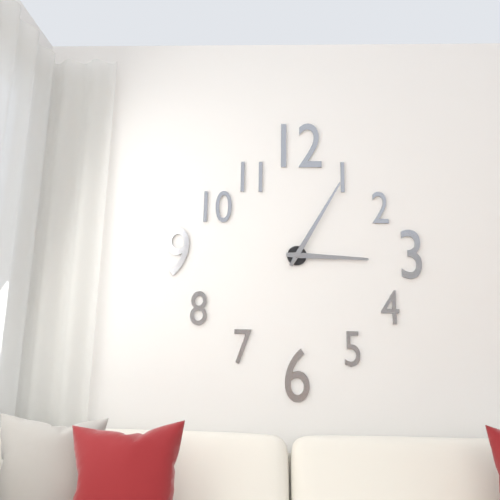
3:05
